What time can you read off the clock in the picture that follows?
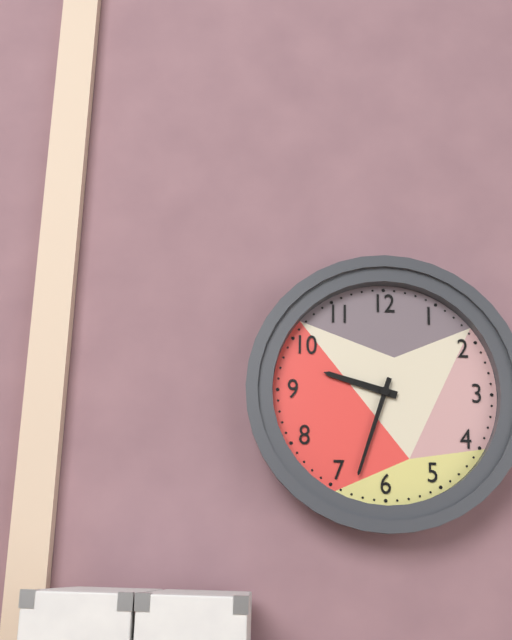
9:33
